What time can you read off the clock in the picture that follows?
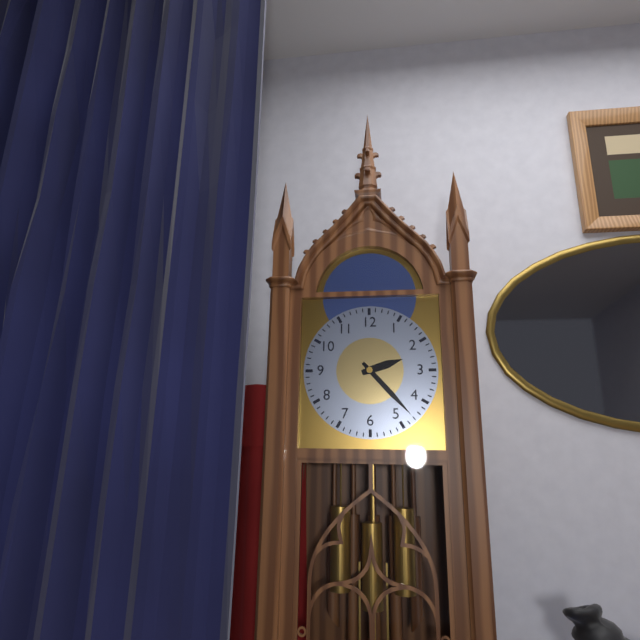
2:23
